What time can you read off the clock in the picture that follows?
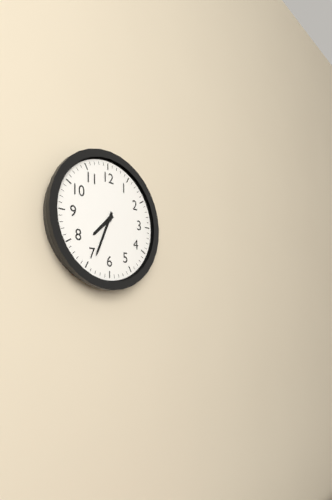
7:34
